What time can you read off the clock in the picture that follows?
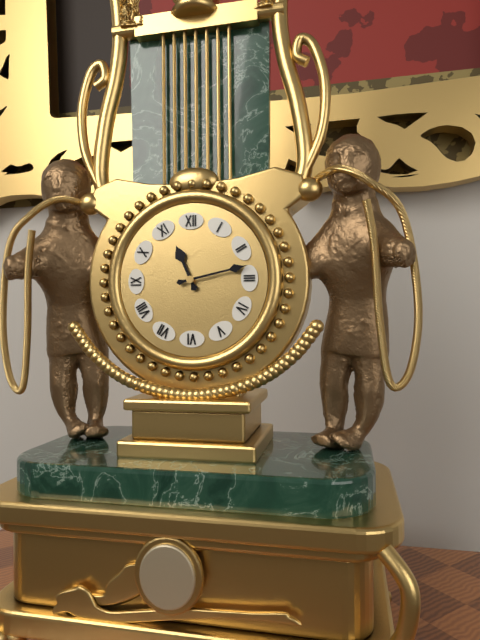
11:13
